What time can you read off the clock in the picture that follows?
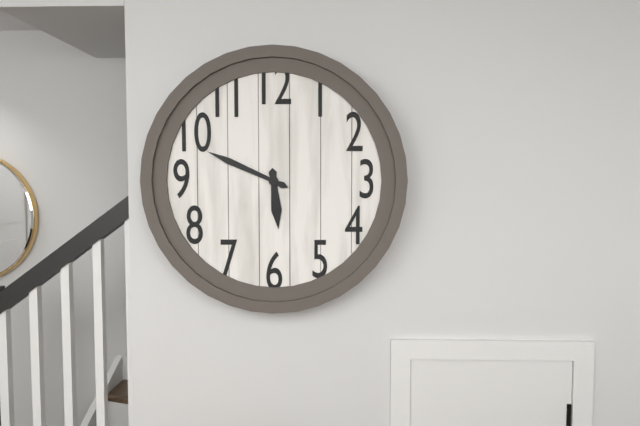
5:49
